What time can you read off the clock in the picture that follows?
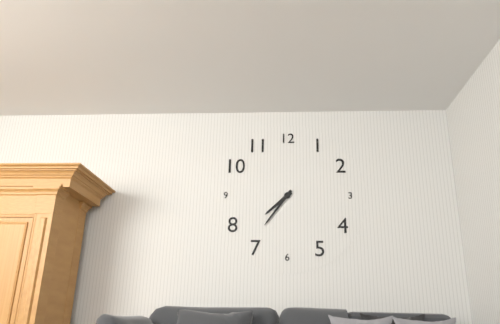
7:36
